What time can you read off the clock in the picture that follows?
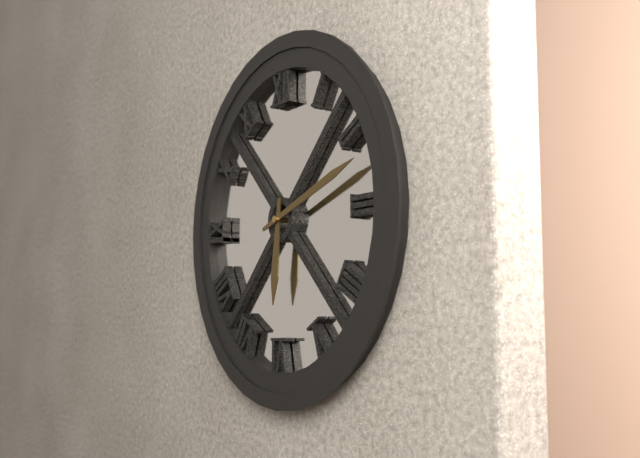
6:12
